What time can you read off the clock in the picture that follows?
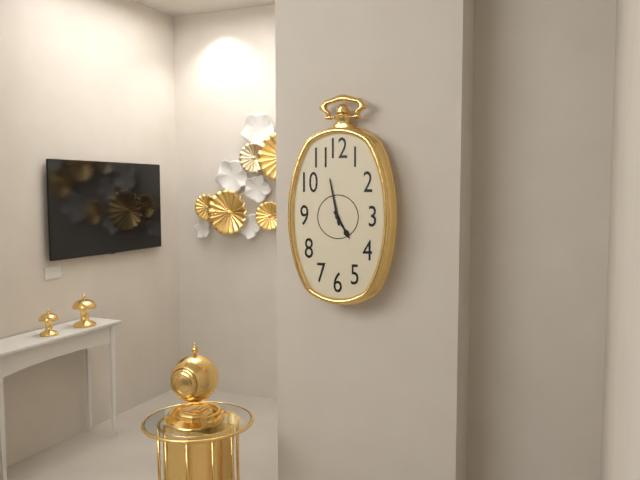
4:58
